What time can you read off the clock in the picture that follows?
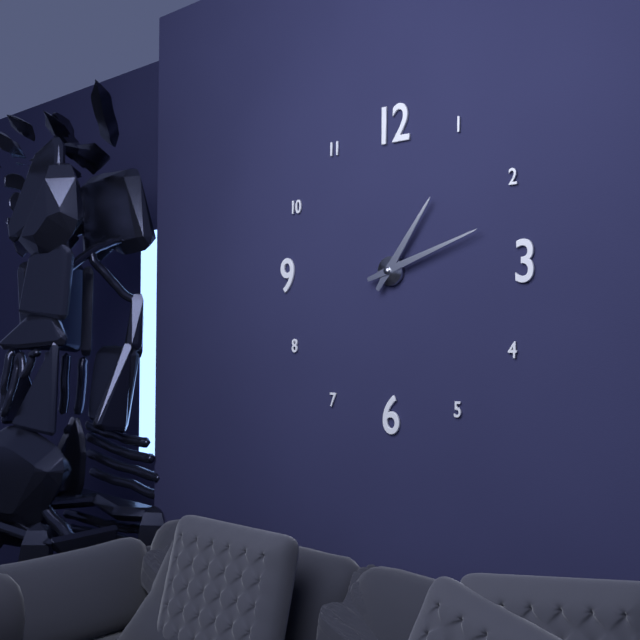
1:12
